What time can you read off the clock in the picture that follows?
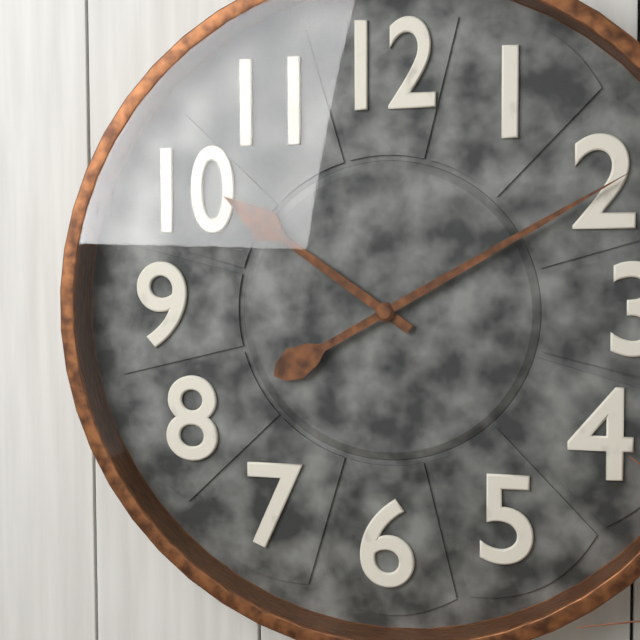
10:10
